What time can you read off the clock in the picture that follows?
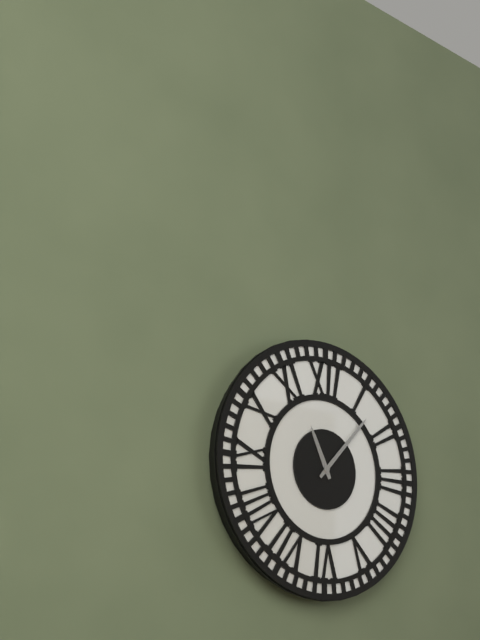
11:07
